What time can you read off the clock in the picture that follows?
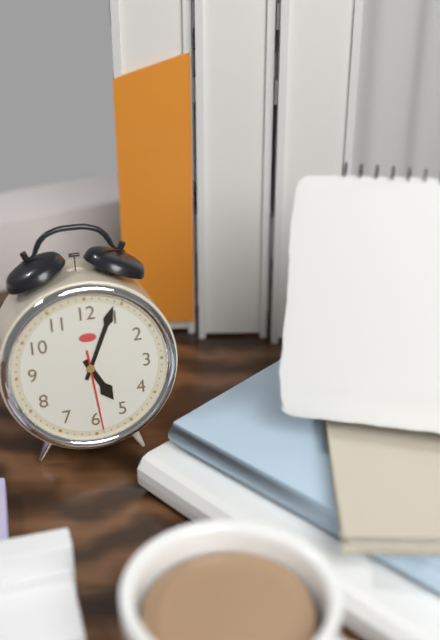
5:04:29
